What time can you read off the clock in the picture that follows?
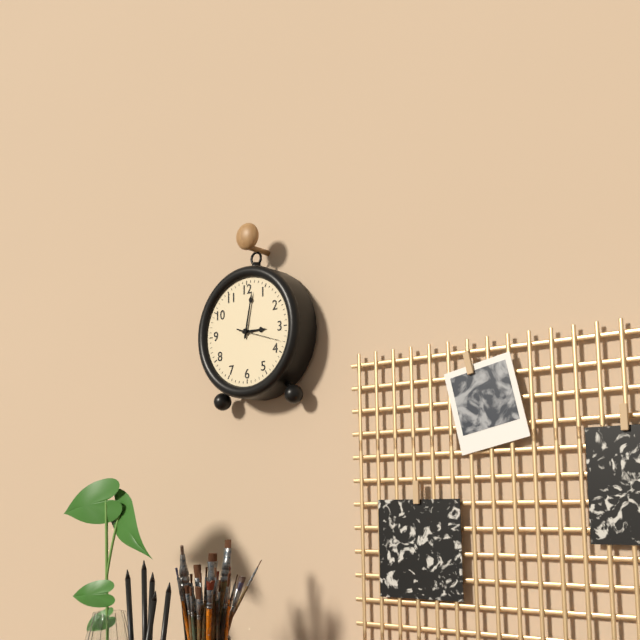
3:02
